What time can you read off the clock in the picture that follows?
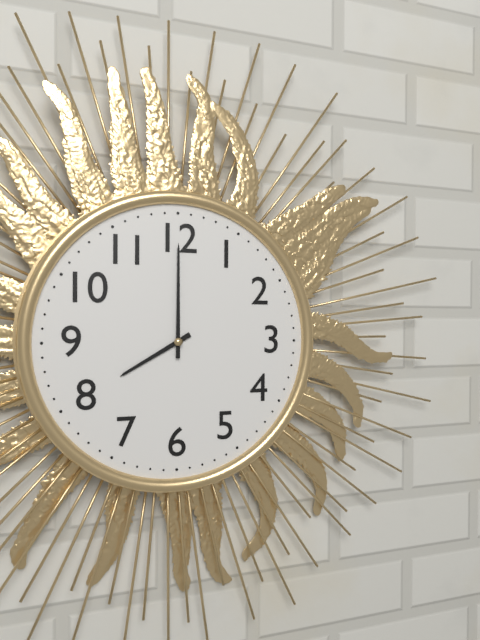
8:00
